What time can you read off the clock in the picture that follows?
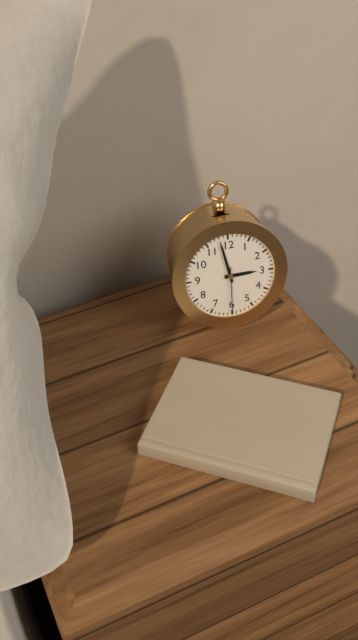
2:58
